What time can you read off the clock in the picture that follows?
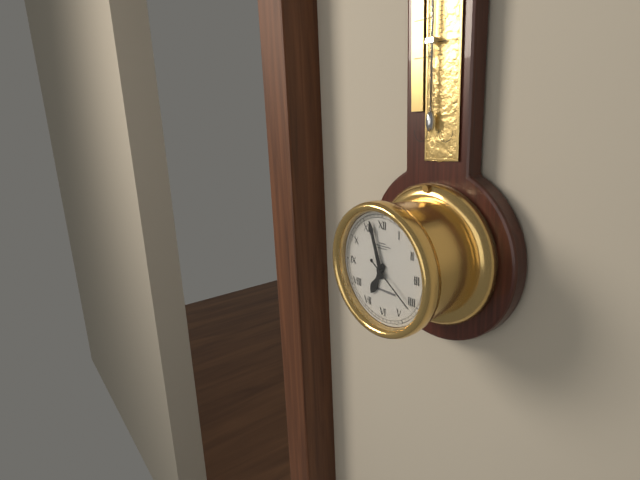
6:57:21
